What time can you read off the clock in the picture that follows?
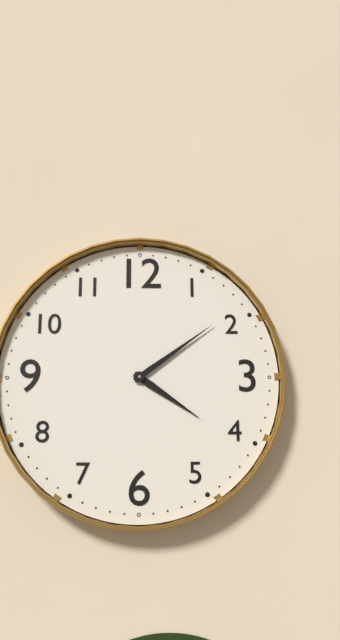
4:09
